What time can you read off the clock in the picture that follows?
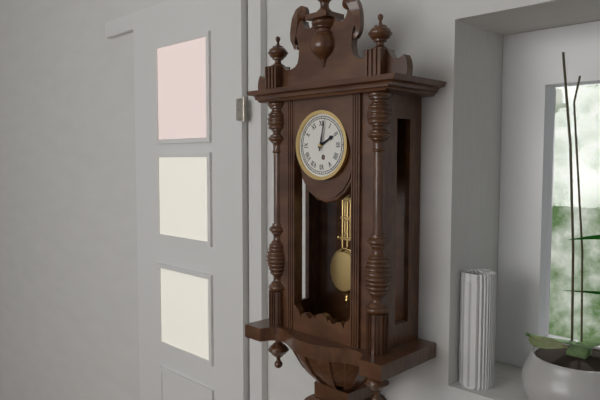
2:02
